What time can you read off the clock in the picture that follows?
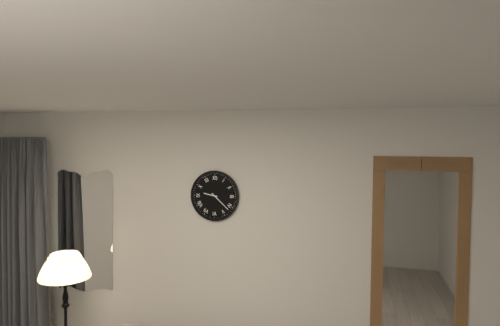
9:22
